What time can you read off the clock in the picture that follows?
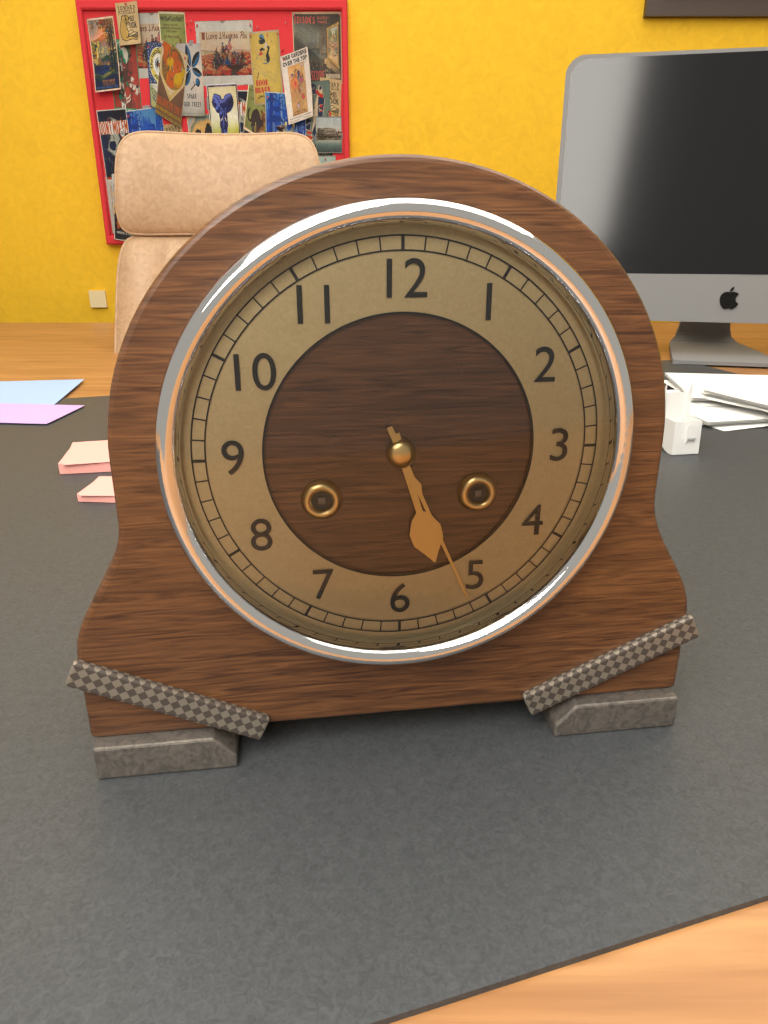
5:26
